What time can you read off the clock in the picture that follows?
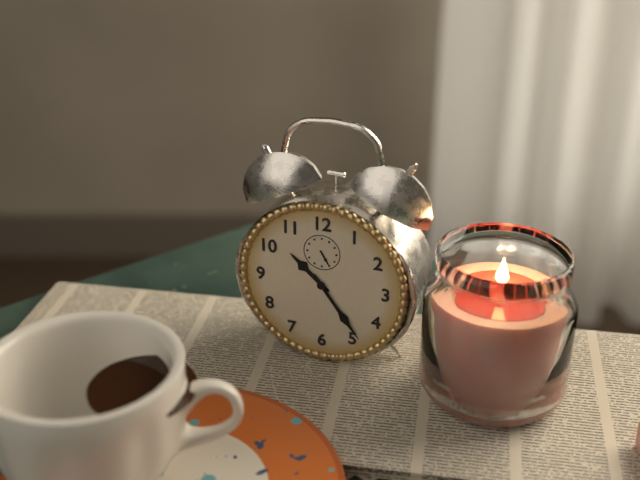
10:24
